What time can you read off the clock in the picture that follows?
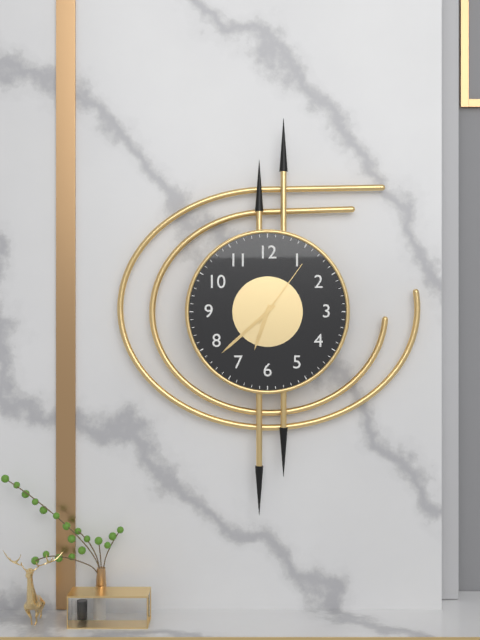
6:38:06
